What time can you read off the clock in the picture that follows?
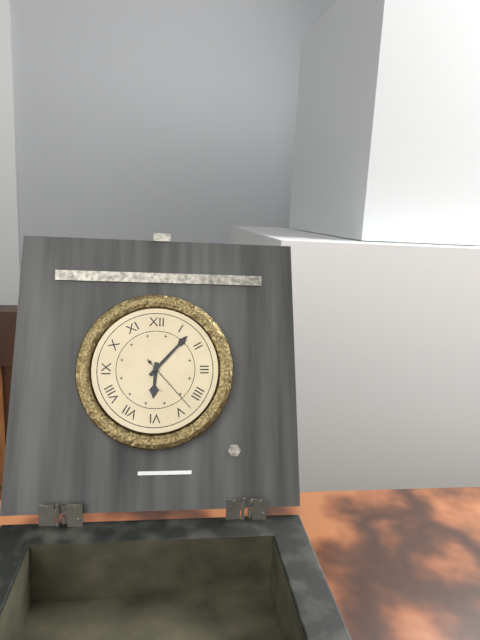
6:07:23
